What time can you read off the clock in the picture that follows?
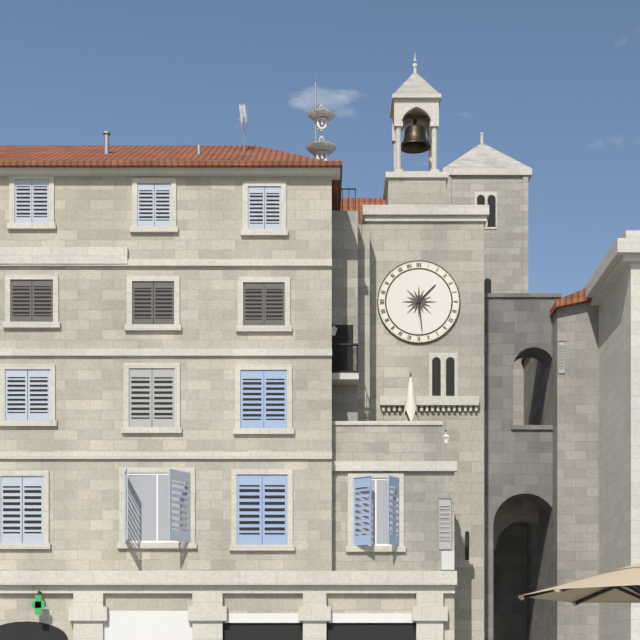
1:29
